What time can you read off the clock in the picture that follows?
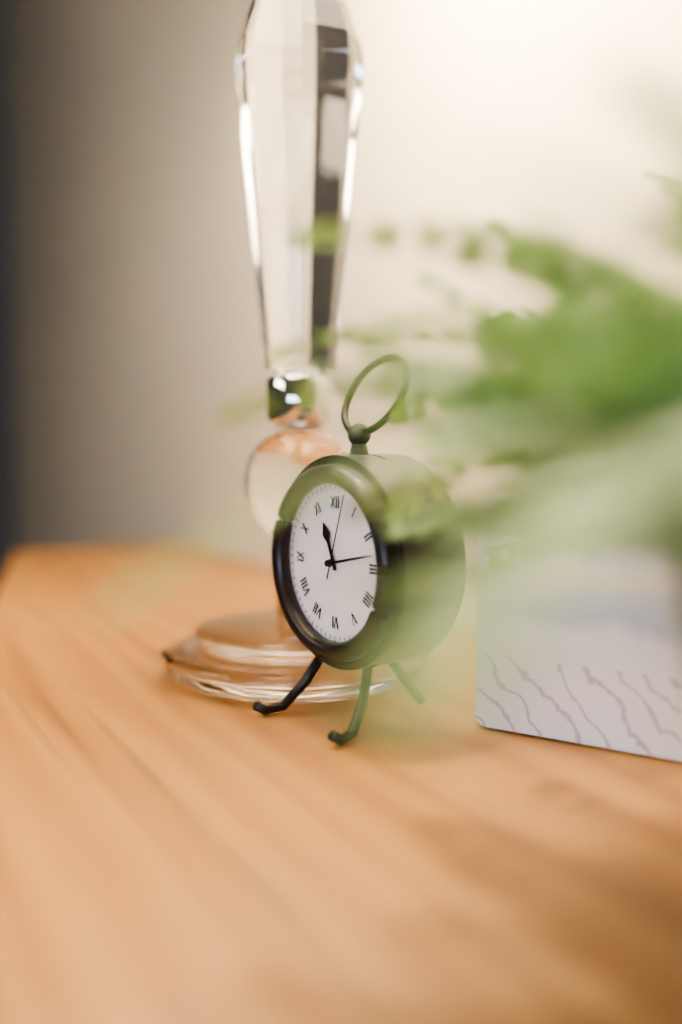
11:13:03
